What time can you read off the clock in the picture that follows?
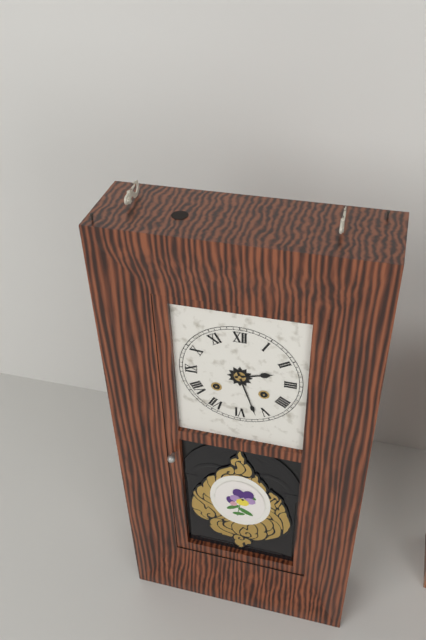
2:27
